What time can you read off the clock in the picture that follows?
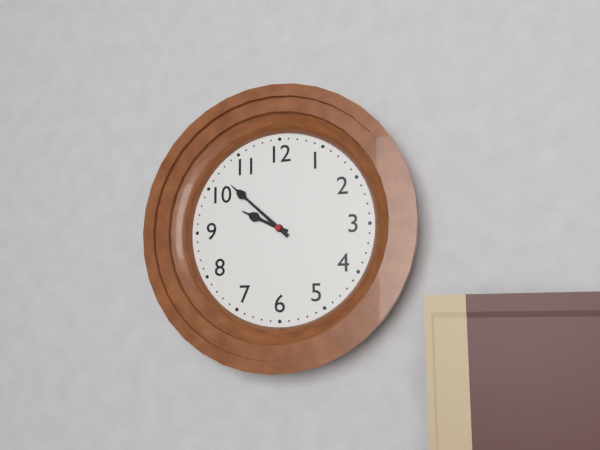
9:52
